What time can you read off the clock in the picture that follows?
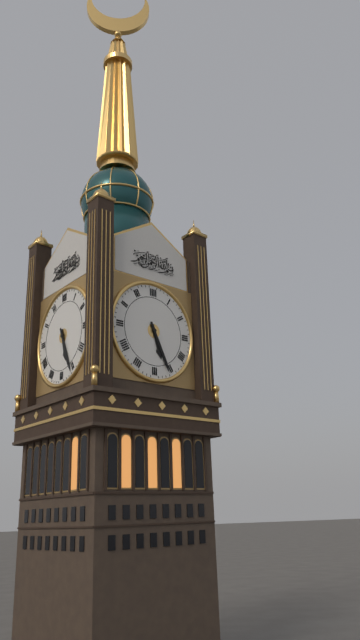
5:26
